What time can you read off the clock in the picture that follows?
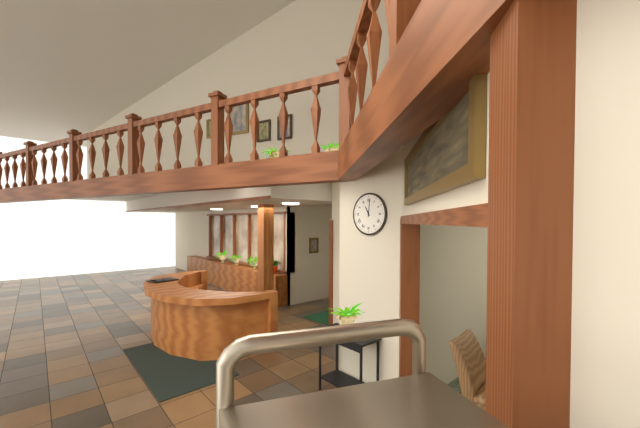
11:01
